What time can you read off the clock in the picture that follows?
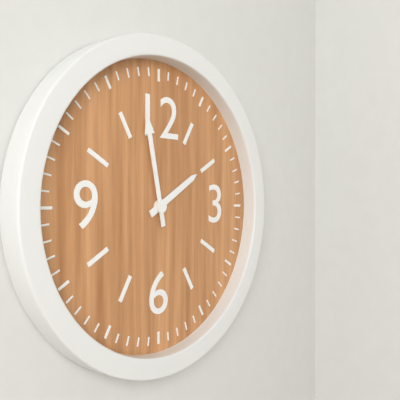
1:58
